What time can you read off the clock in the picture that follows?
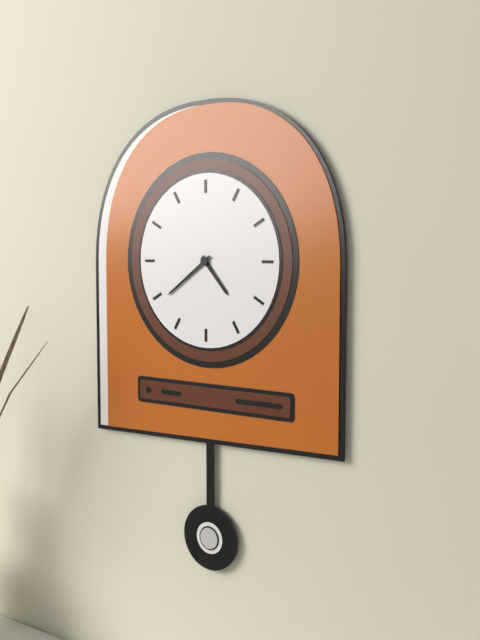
4:39
